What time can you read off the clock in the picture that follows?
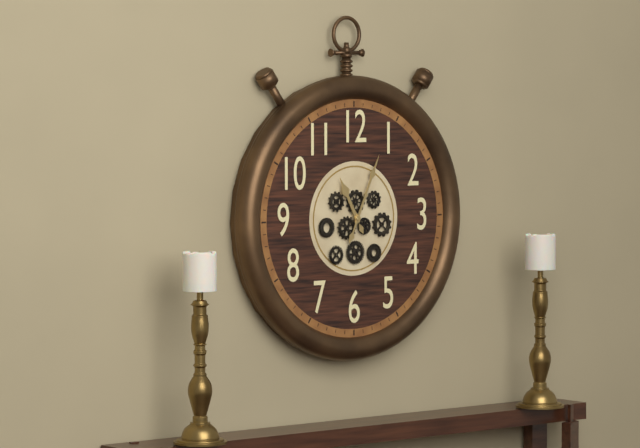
11:04
